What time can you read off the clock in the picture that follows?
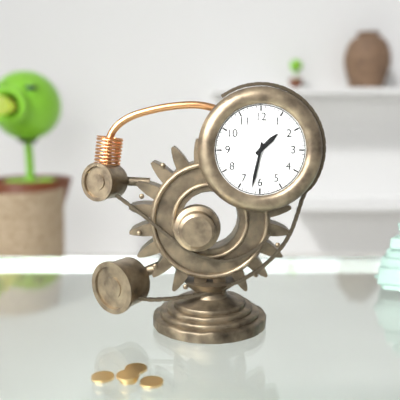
1:32
